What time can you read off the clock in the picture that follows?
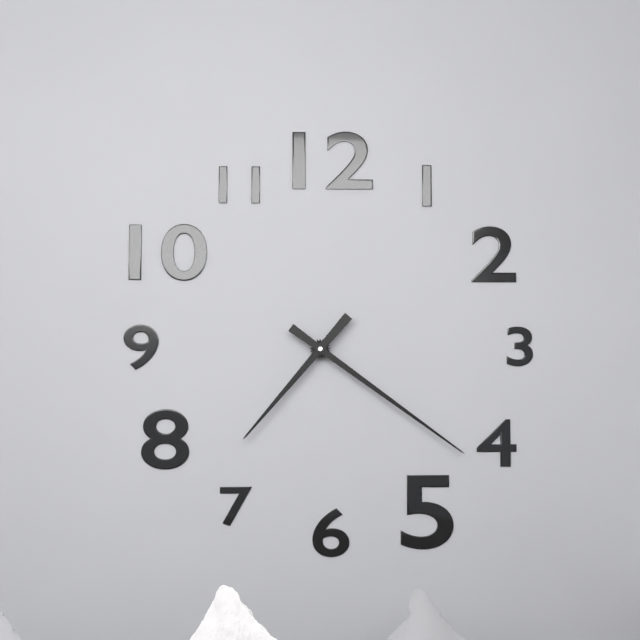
7:21
